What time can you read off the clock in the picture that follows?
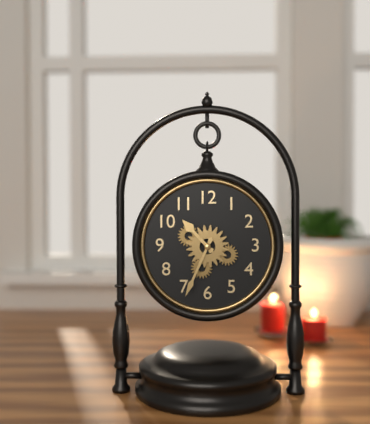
10:34
